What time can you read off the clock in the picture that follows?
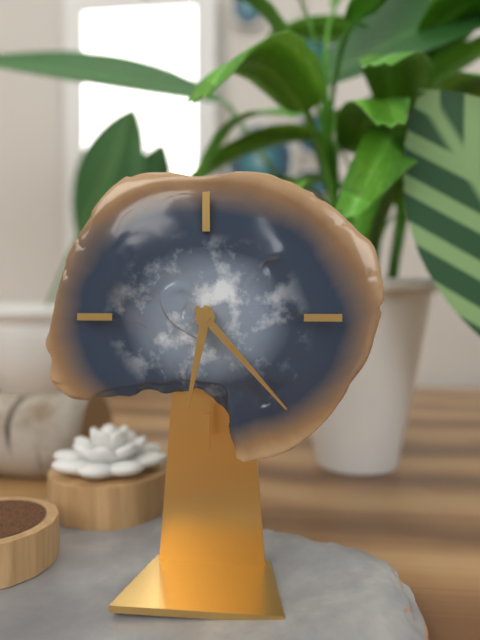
6:23
